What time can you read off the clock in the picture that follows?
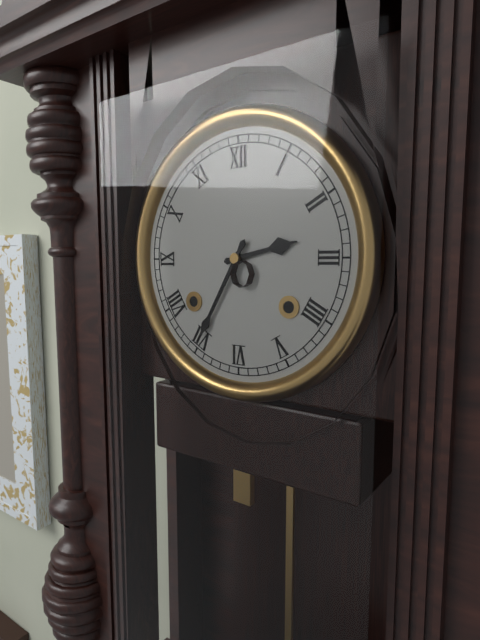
2:35
